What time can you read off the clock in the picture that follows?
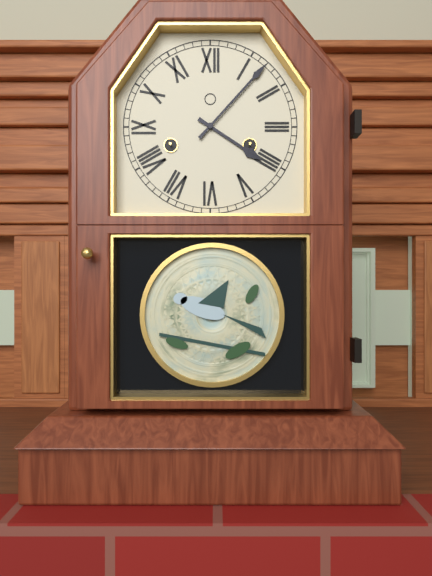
4:07
